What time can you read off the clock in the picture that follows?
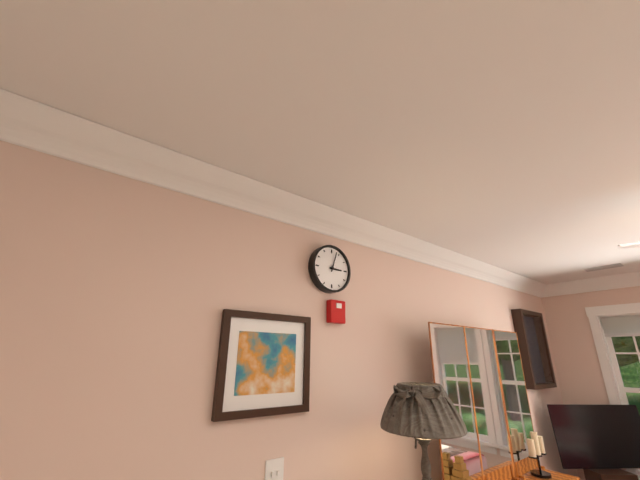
3:03
